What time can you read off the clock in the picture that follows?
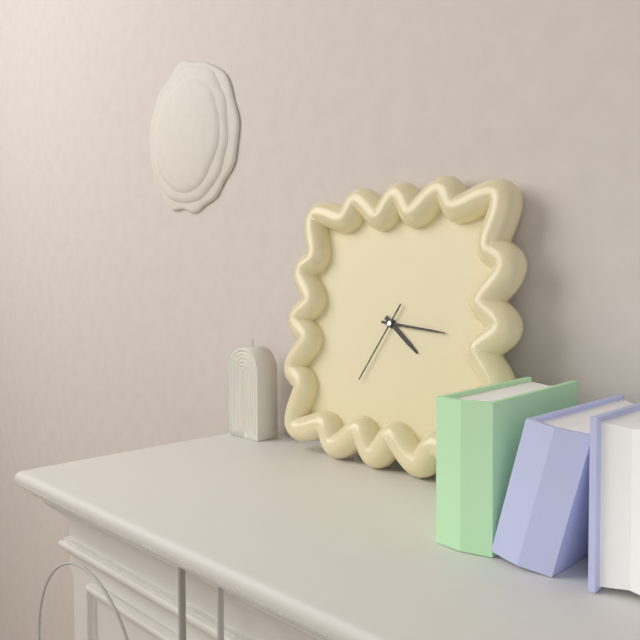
4:16:35
